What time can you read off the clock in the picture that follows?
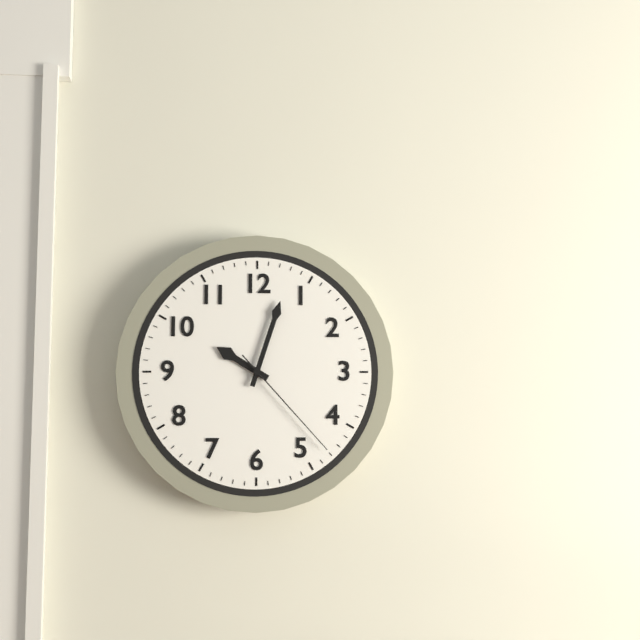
10:03:23
